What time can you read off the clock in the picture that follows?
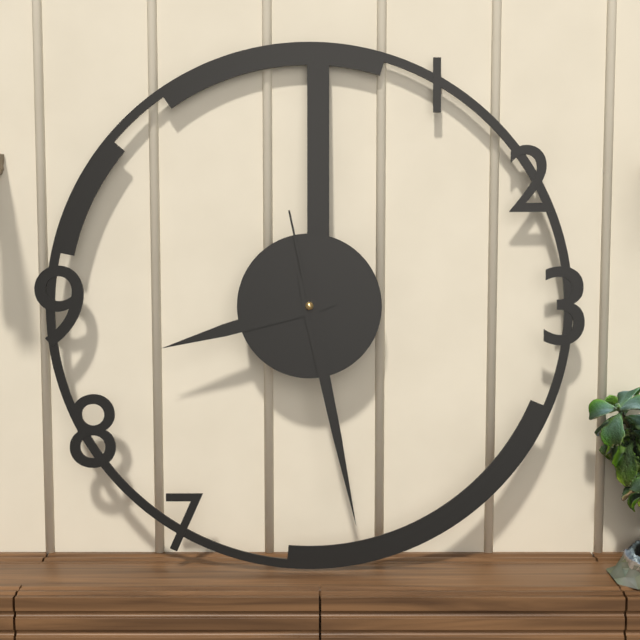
8:28:58
